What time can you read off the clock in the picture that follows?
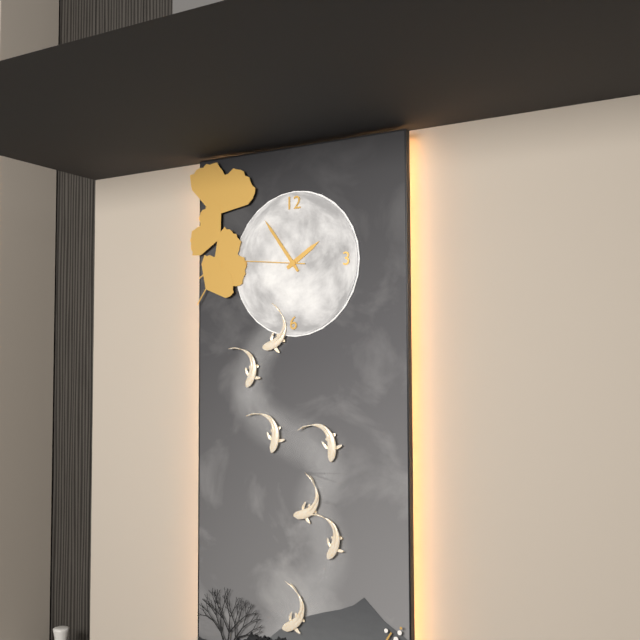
1:54:46
